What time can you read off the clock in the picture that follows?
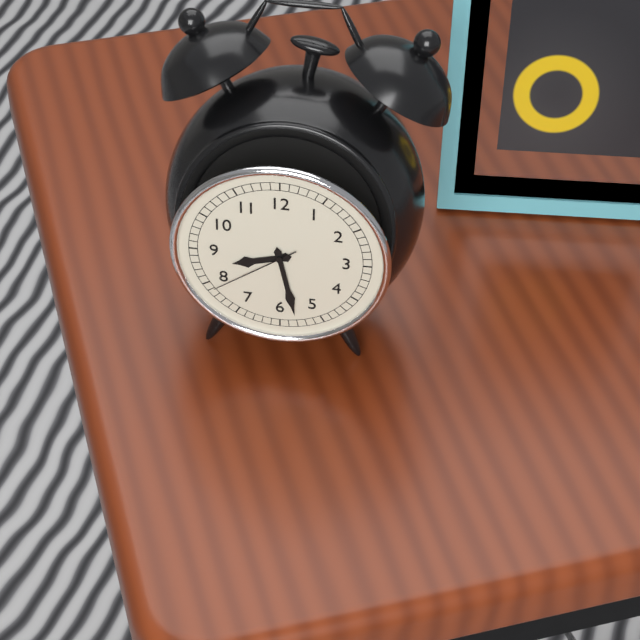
8:28:39
